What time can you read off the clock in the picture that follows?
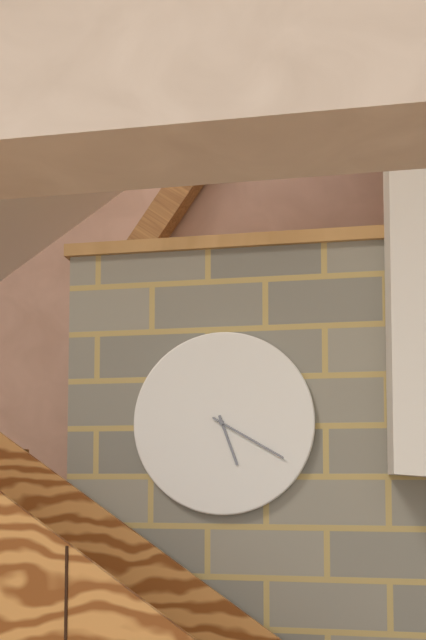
5:20
